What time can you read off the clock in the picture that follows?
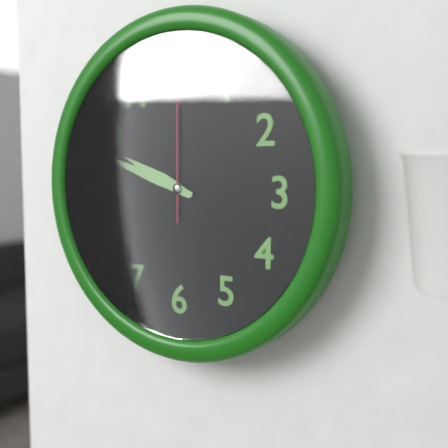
9:48:00
